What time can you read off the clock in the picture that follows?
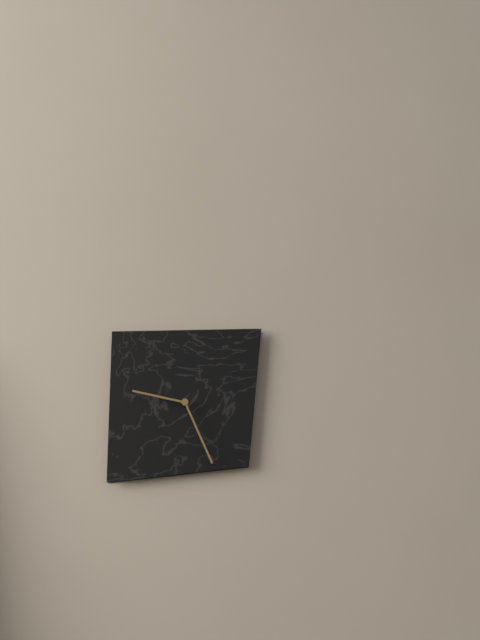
9:26
